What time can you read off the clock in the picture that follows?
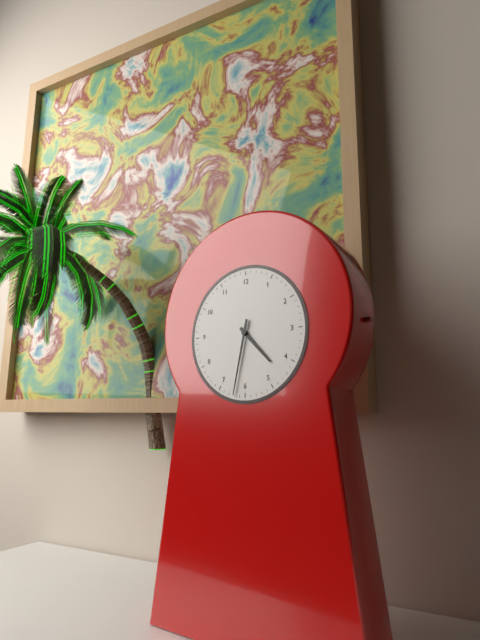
4:32
